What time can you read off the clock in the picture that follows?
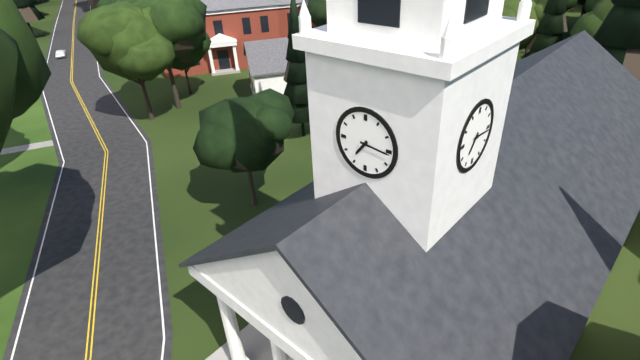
7:16
